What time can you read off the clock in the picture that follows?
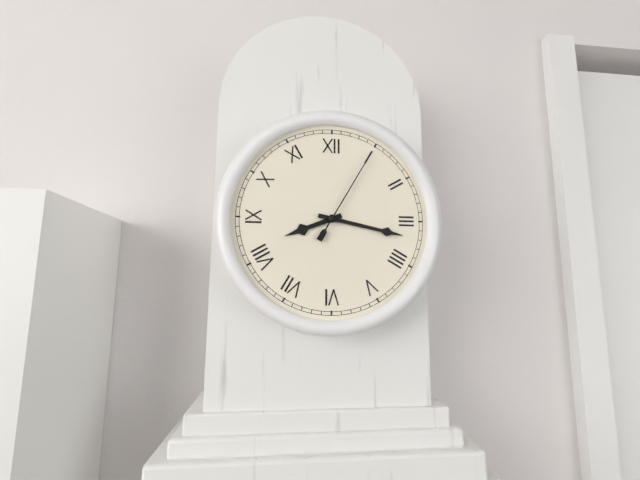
8:17:05
